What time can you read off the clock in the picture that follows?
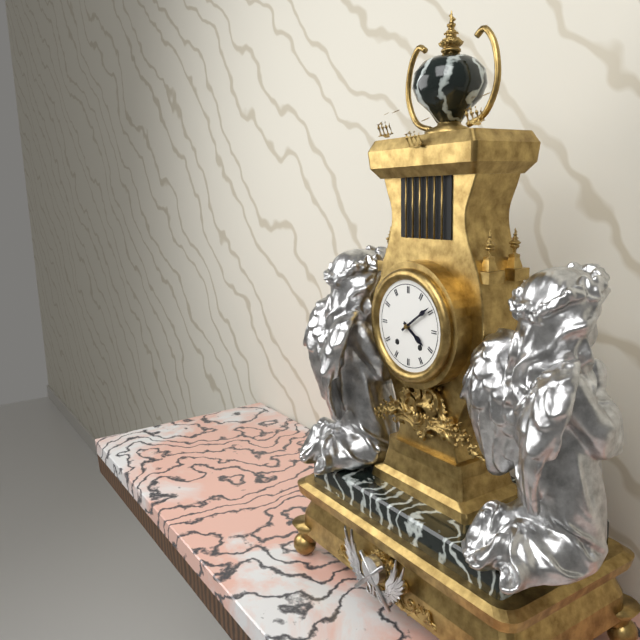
4:09
